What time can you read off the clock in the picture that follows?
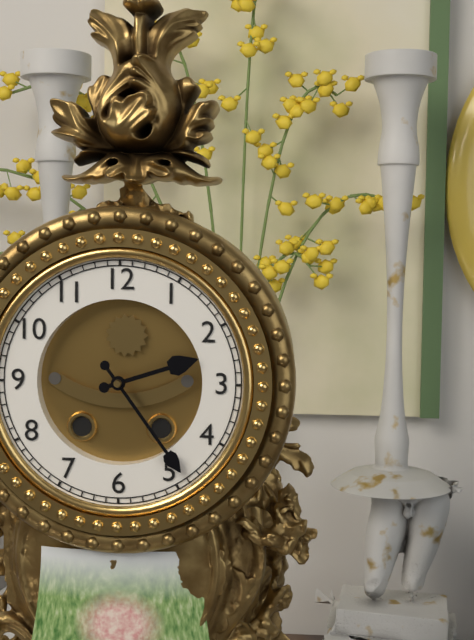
2:24
